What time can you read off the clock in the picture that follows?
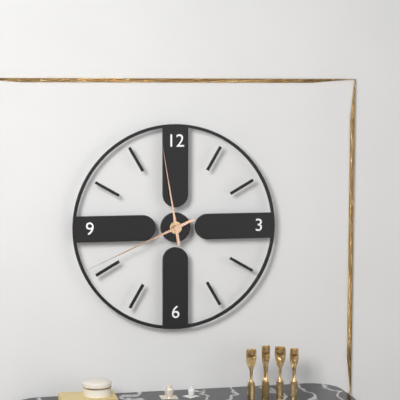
11:41
